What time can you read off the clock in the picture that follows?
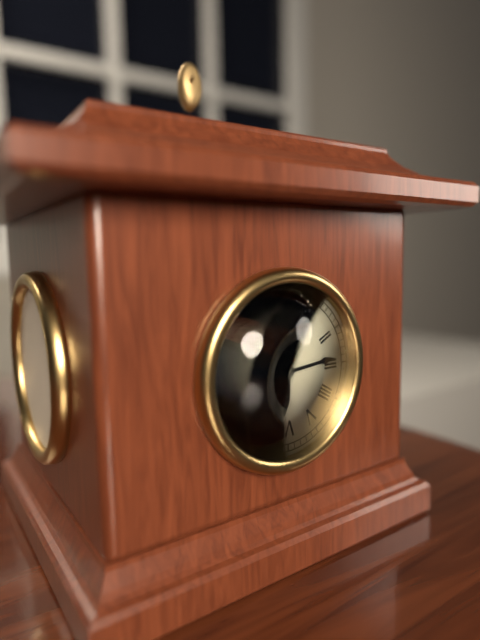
6:14:34
